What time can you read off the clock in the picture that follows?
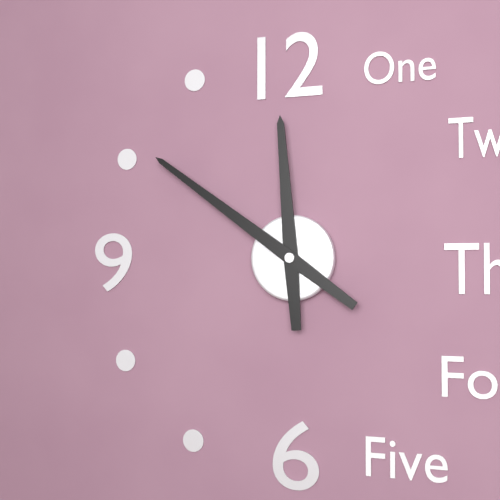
11:51
